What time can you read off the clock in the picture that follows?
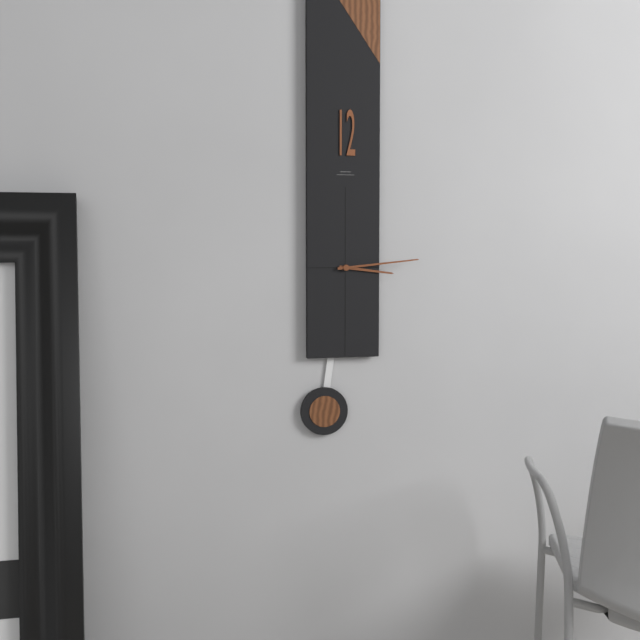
3:14
